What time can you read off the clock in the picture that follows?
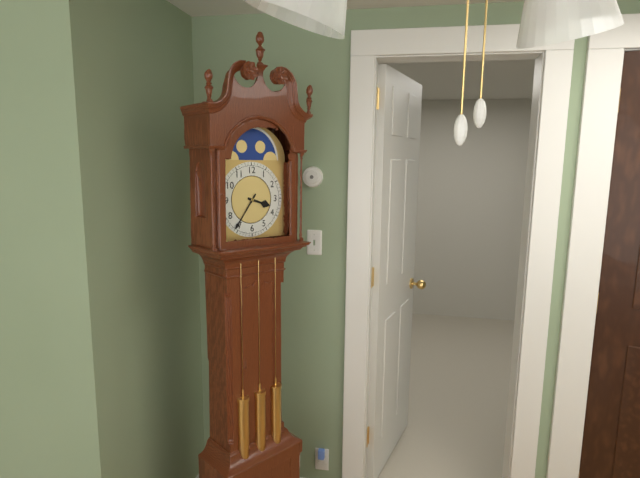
3:36
